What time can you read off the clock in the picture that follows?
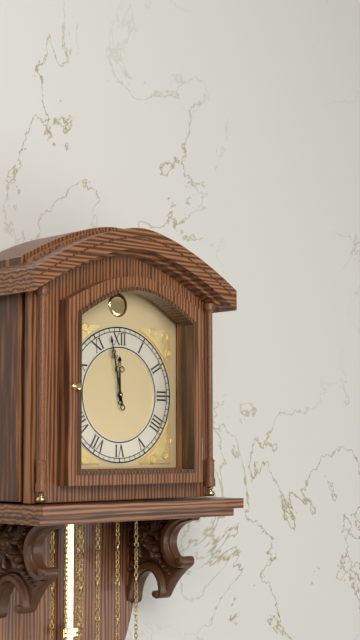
11:58
